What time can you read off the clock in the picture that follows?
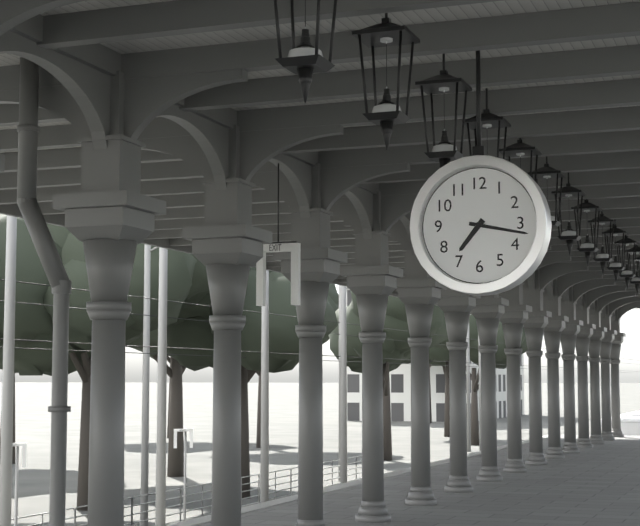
7:17
